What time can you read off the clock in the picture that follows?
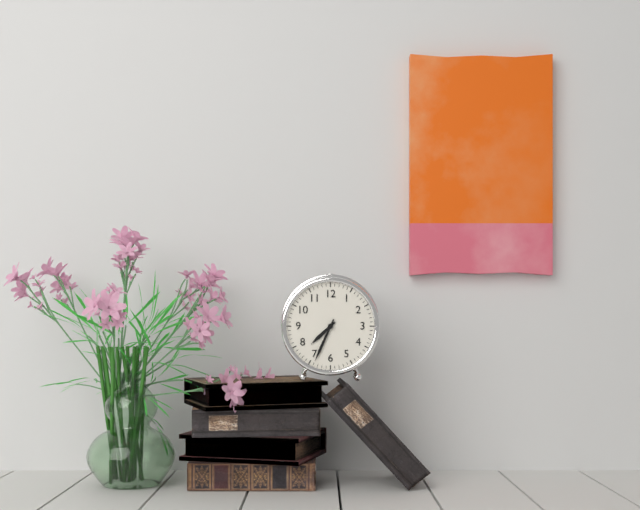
7:34
